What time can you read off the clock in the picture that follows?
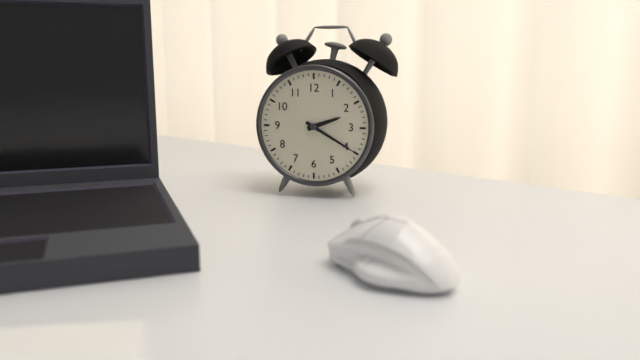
2:20
